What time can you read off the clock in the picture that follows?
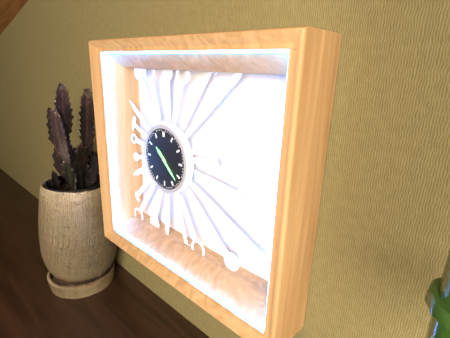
10:22
